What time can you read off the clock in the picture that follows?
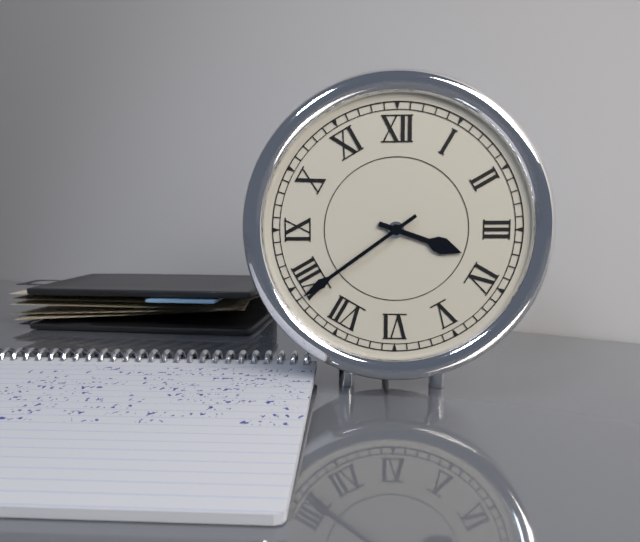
3:39
